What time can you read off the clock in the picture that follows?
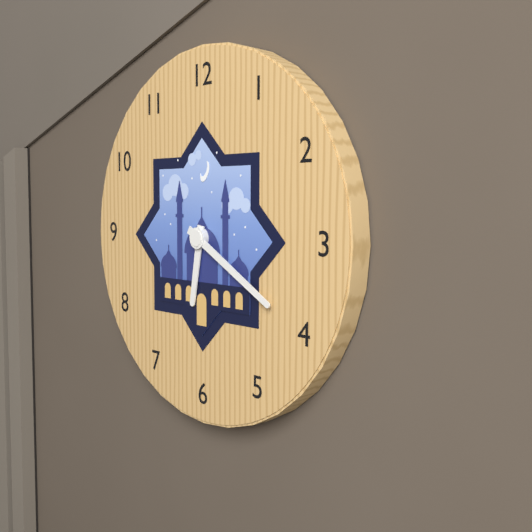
6:20
